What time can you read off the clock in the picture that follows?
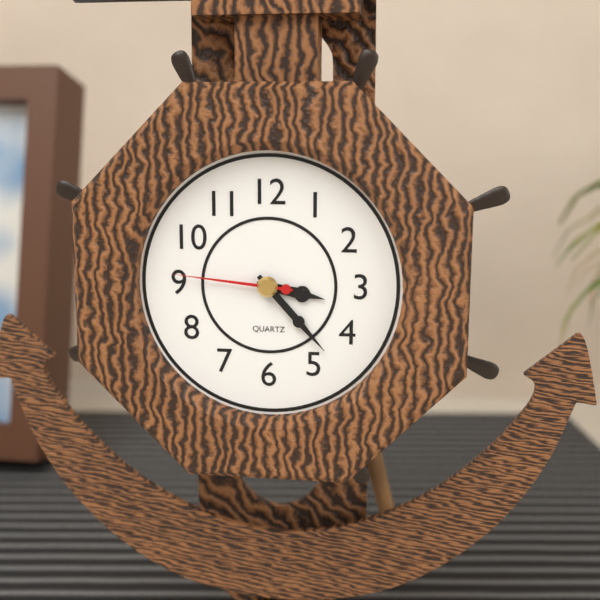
3:23:46
